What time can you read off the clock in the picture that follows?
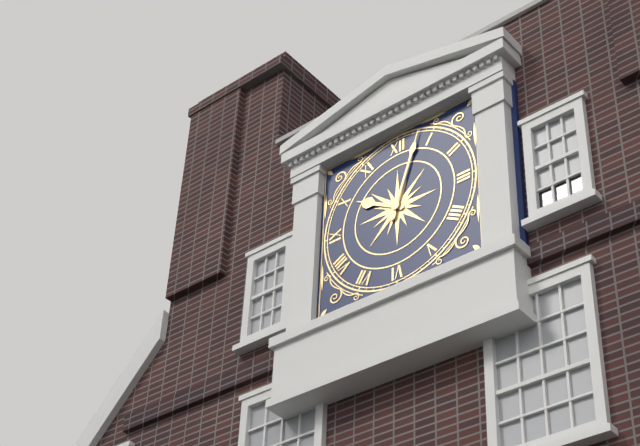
10:03
